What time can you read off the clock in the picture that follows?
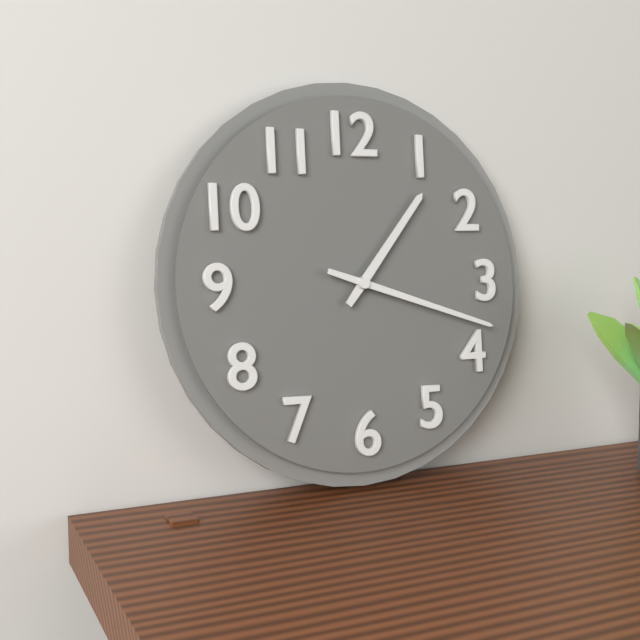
1:18
